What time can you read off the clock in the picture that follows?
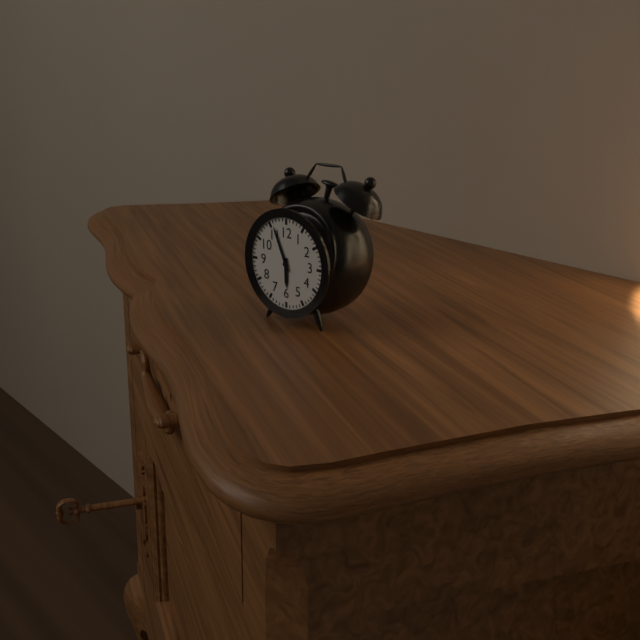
5:56
